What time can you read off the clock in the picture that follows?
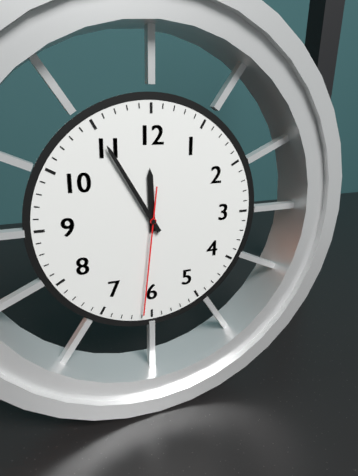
11:55:31
